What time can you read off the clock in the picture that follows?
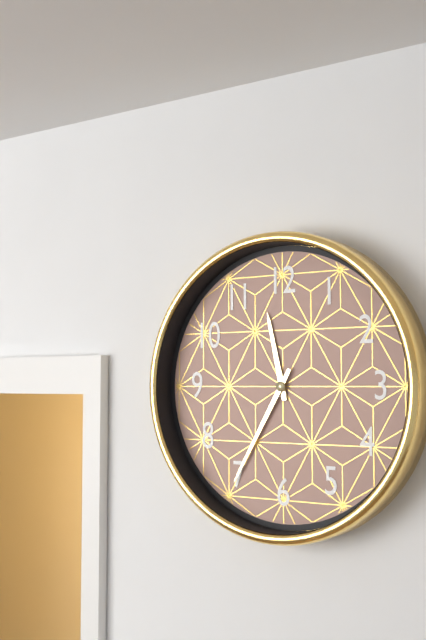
11:35
